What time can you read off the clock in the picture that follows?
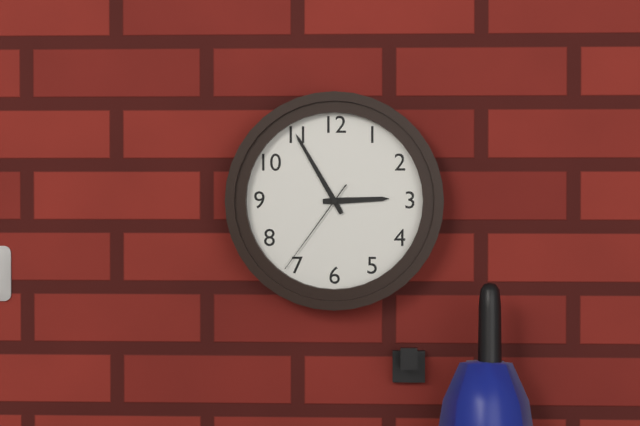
2:55:36
